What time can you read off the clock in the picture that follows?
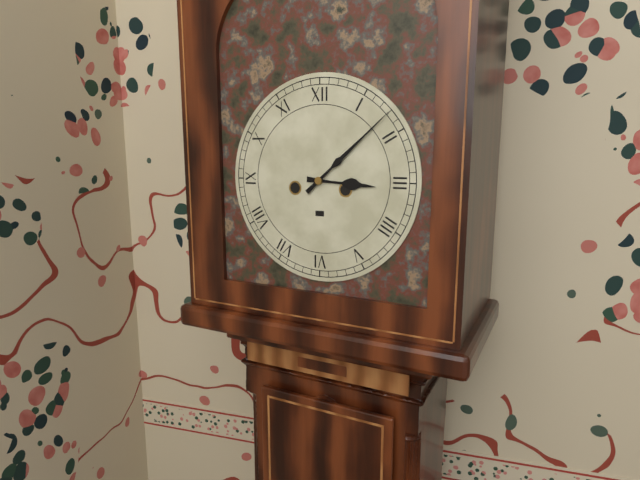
3:08
